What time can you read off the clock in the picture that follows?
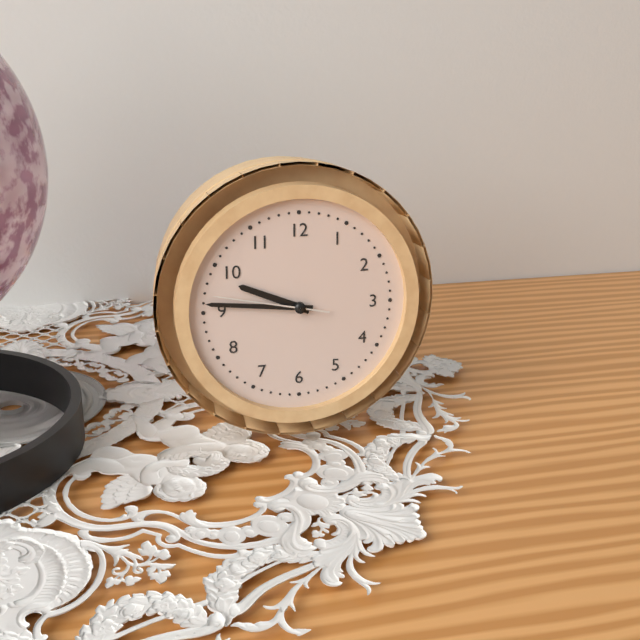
9:46:47
